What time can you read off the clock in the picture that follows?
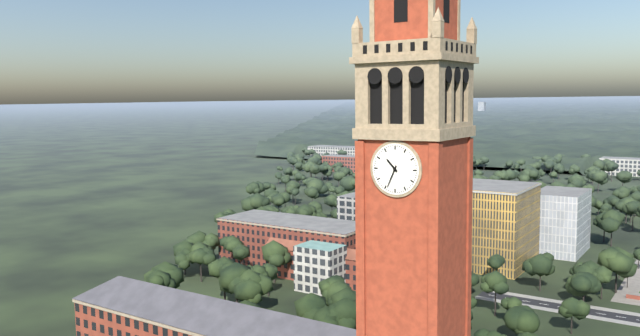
10:34
